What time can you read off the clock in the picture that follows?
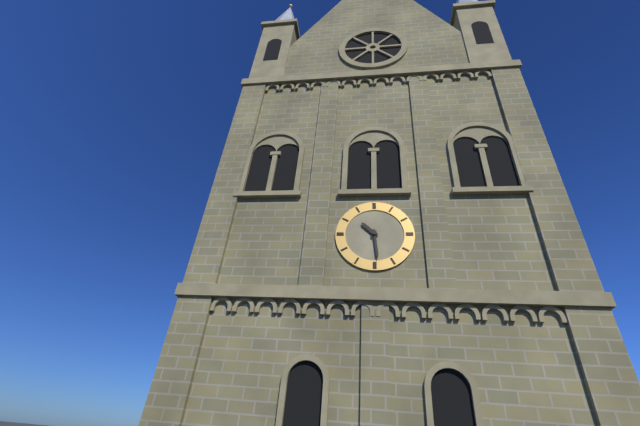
10:29
